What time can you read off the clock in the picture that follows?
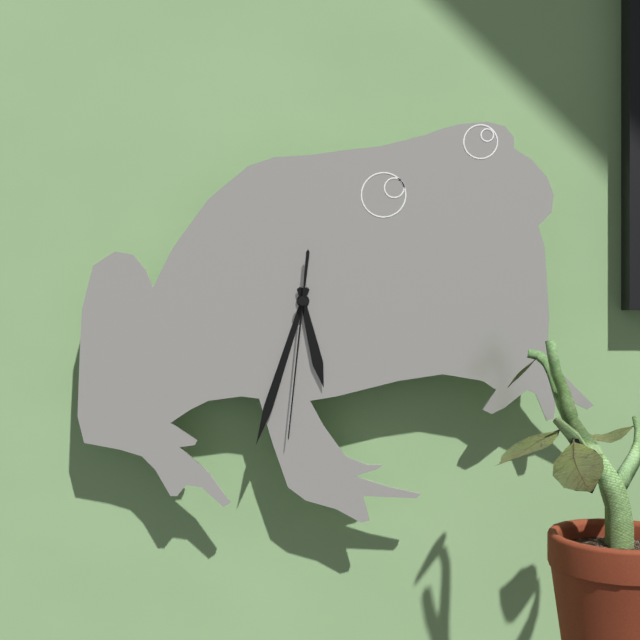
5:33:31
